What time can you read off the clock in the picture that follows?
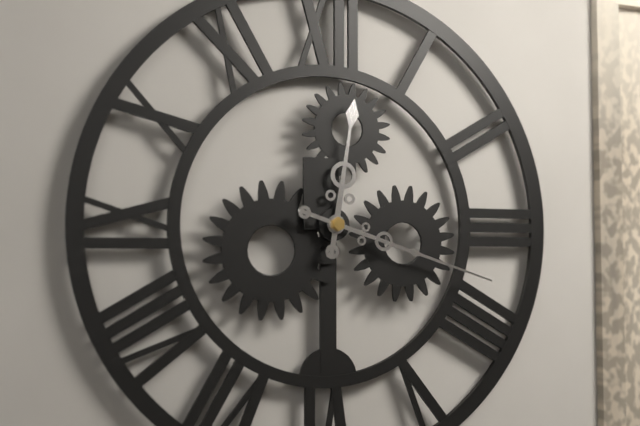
12:18
